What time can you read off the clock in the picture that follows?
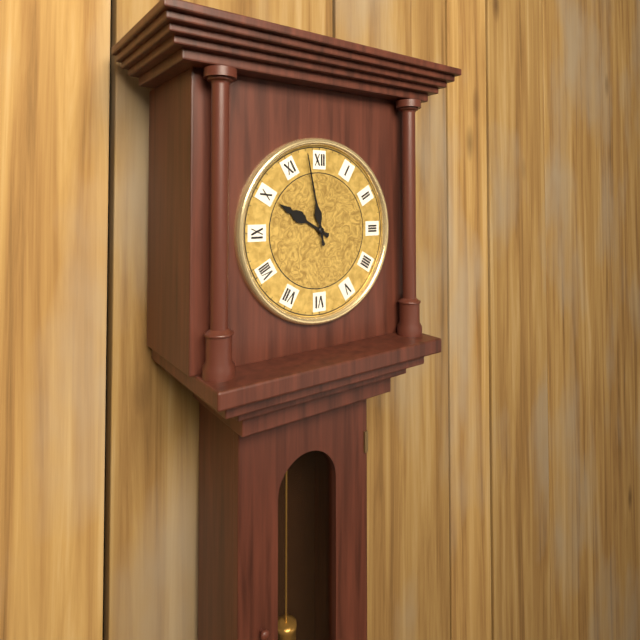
9:58
